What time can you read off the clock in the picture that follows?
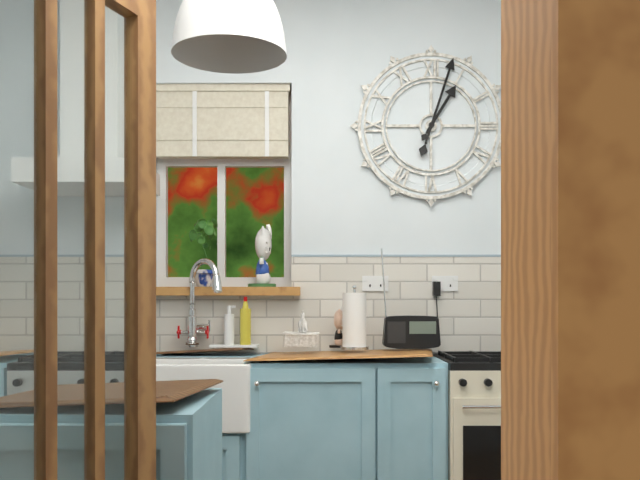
1:03
